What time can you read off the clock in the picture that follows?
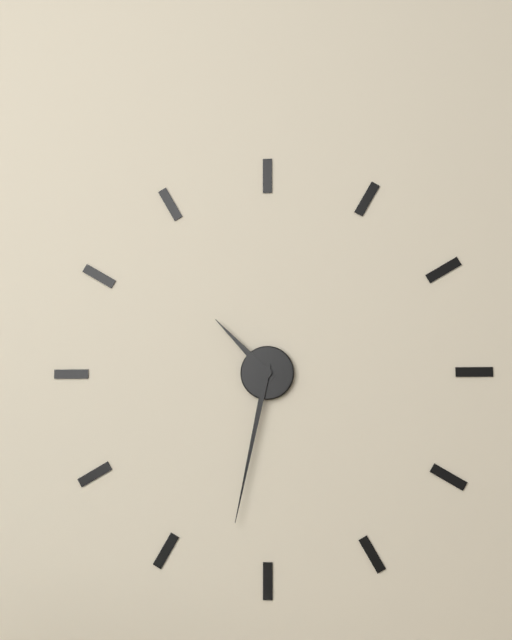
10:32
